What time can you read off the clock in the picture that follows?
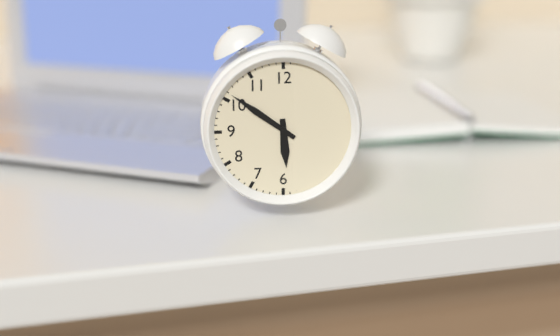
5:51
